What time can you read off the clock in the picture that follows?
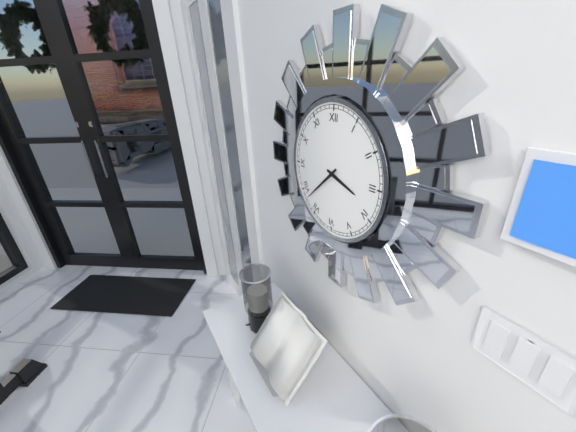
3:38
